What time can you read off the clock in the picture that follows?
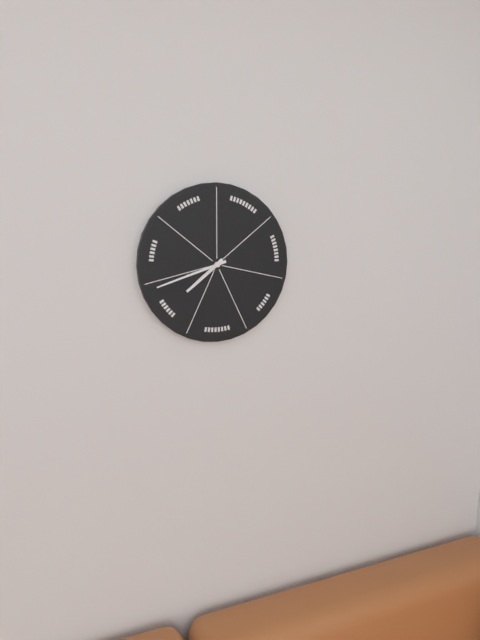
7:42
